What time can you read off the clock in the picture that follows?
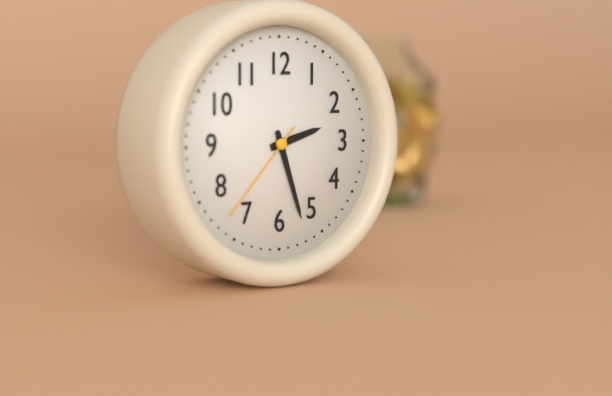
2:27:37
